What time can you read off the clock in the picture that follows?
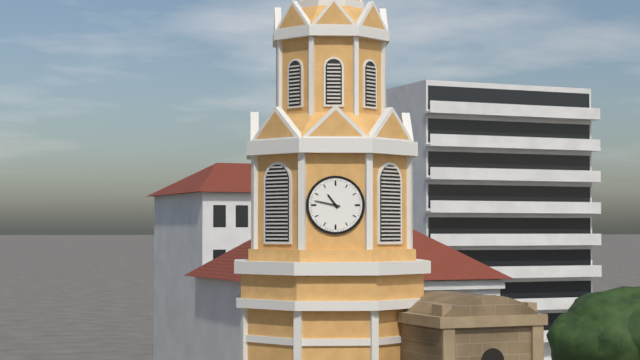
10:47
